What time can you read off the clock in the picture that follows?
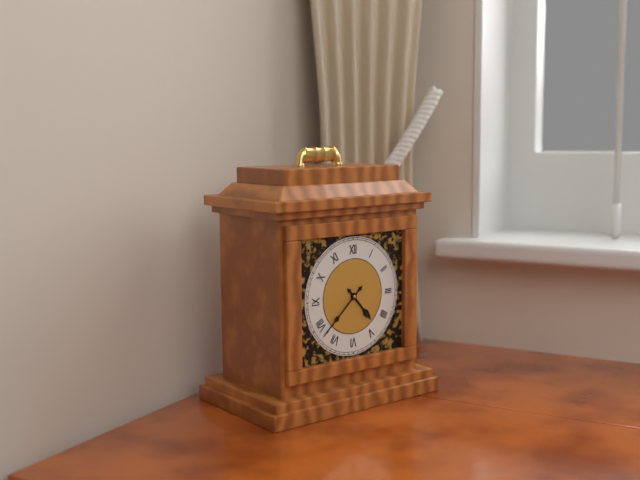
4:38
